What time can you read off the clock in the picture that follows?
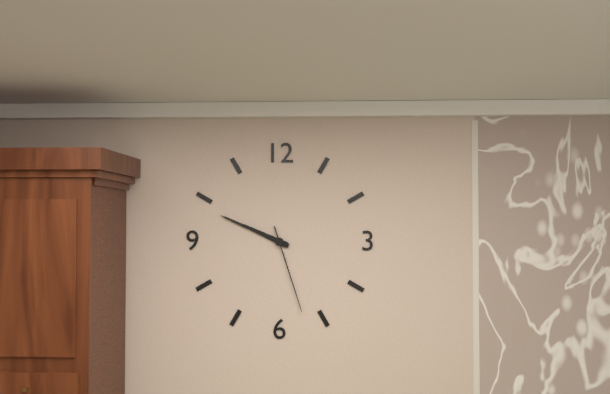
9:49:27
